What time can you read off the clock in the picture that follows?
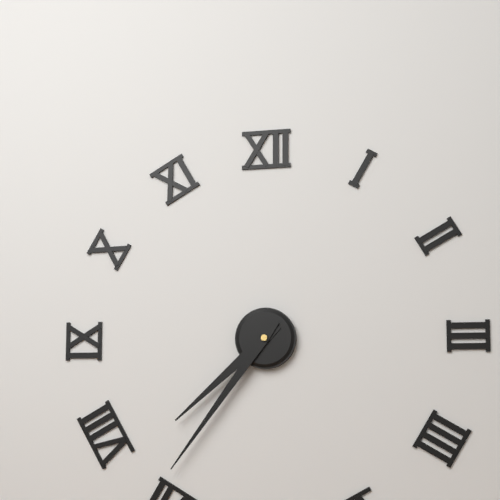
7:36
